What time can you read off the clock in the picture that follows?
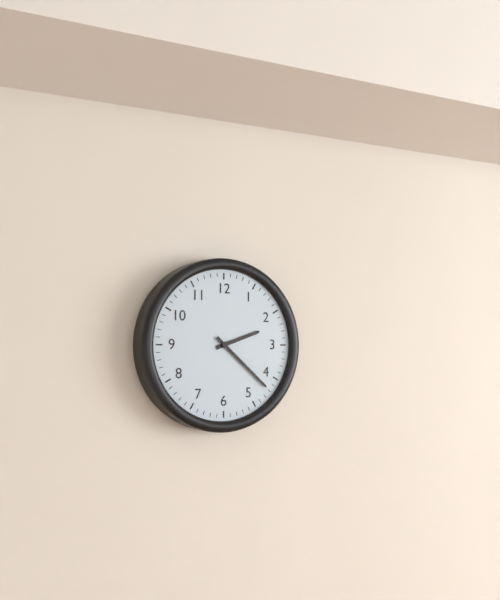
2:22
